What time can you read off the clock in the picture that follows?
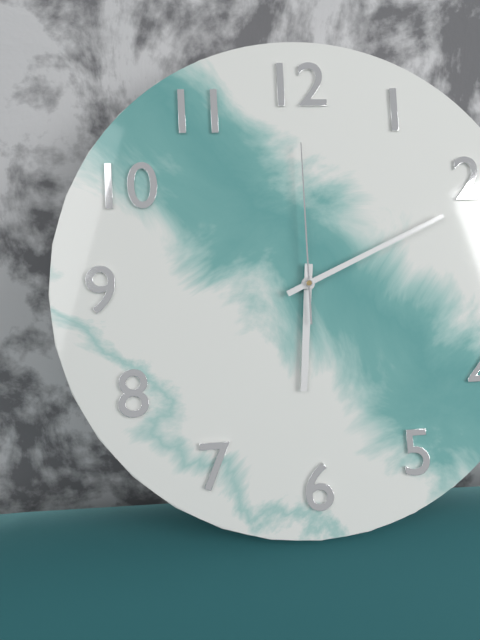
6:11:00
